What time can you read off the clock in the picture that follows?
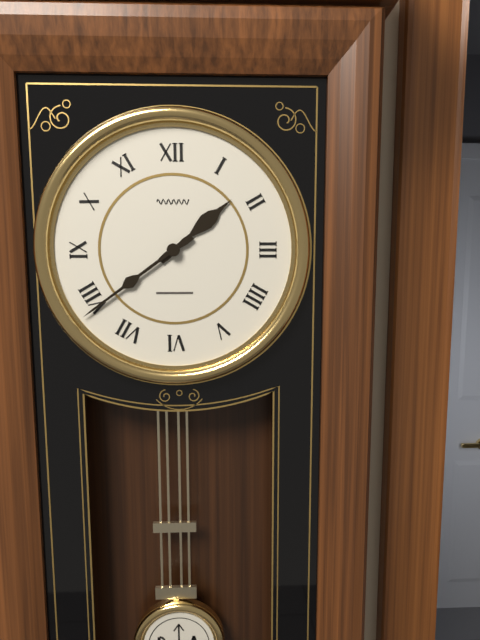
1:39
